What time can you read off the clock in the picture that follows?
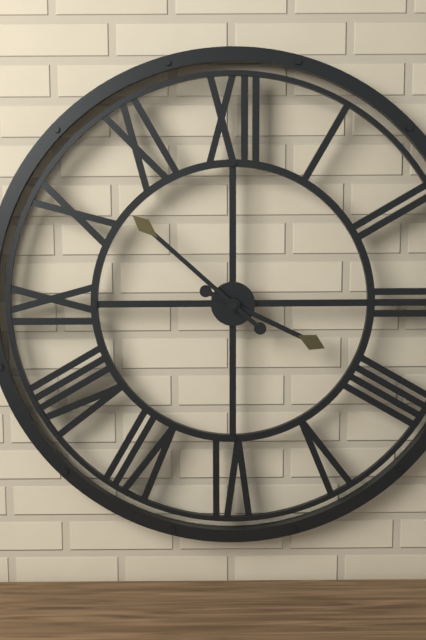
3:52
